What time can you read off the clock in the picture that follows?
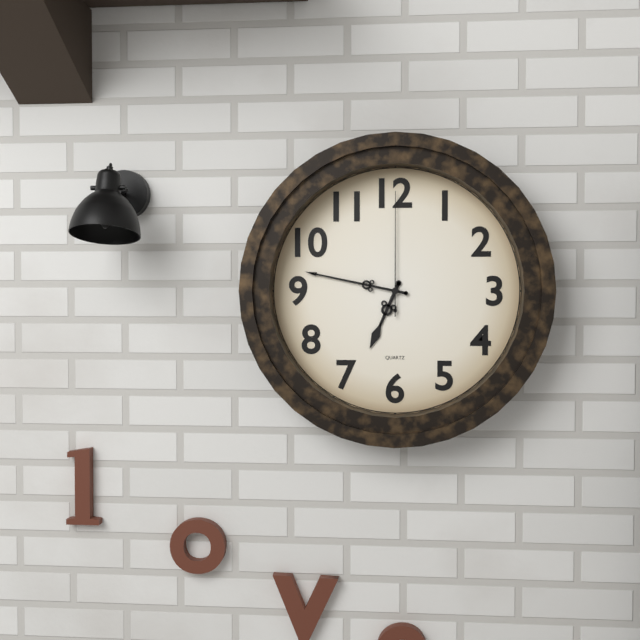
6:47:00
